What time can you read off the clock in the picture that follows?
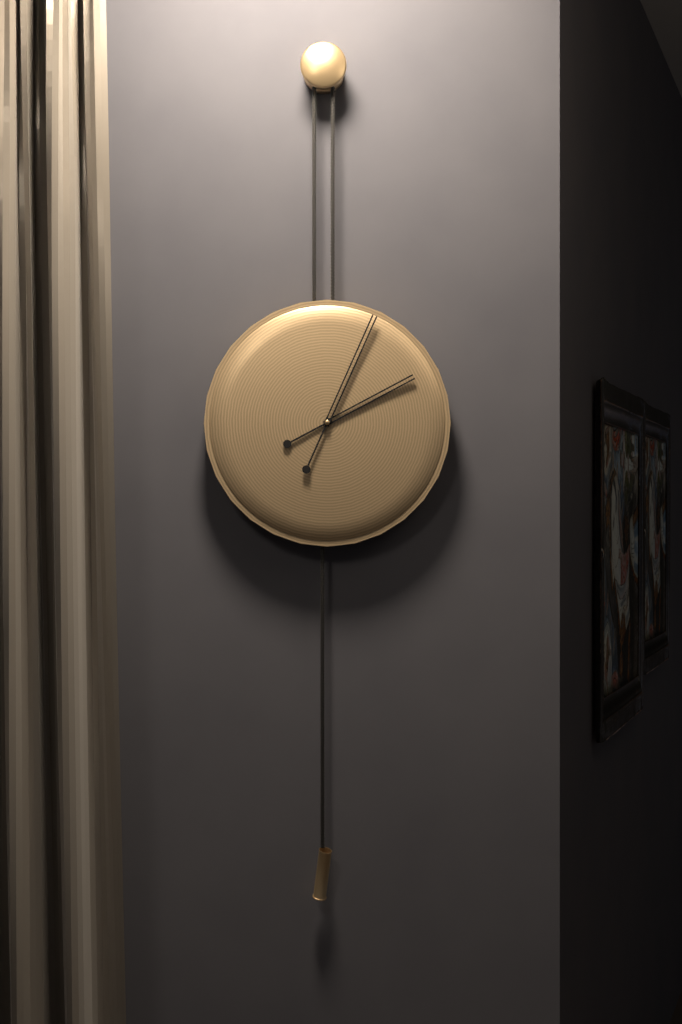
2:04
